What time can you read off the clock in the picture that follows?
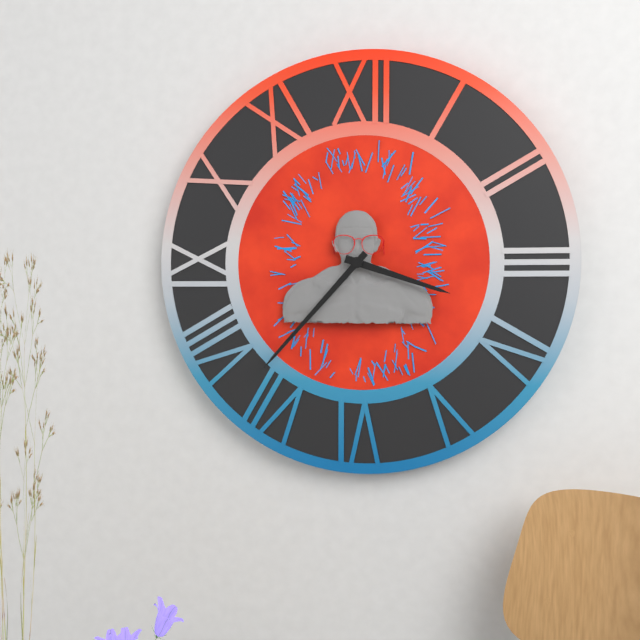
3:37
